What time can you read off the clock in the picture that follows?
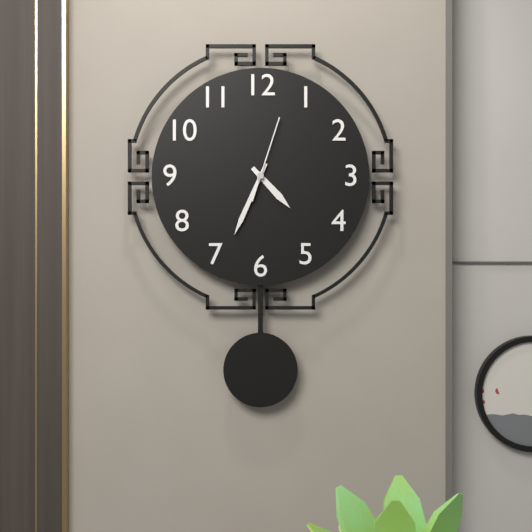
4:34:03
